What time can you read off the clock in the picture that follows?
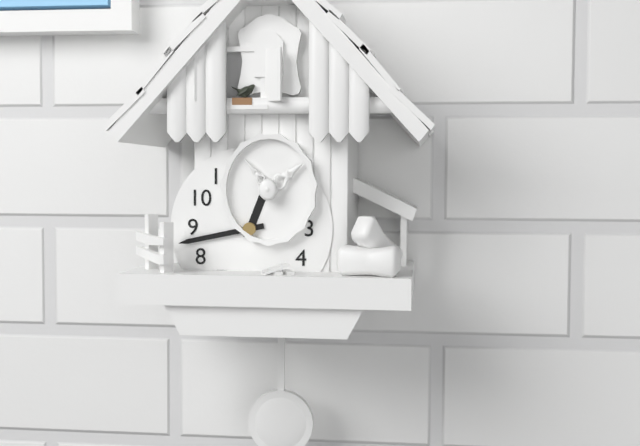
12:43
